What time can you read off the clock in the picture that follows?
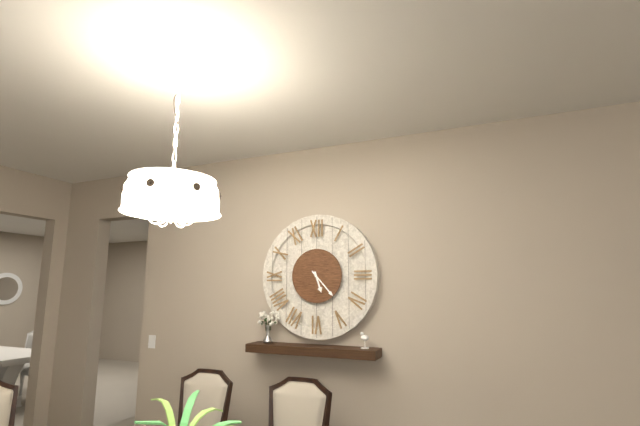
5:23
